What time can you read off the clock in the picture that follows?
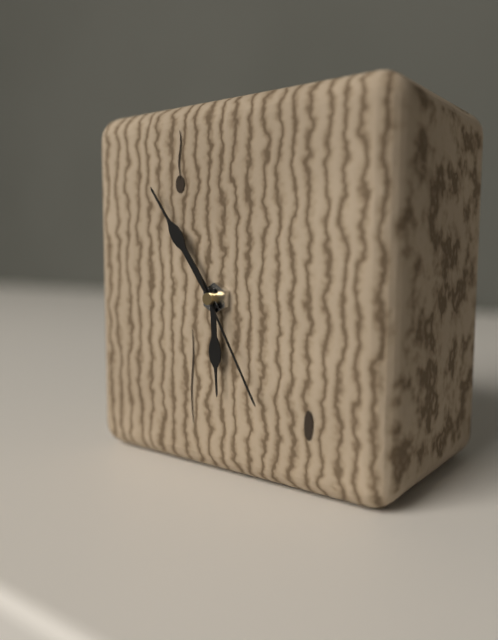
5:54:25
